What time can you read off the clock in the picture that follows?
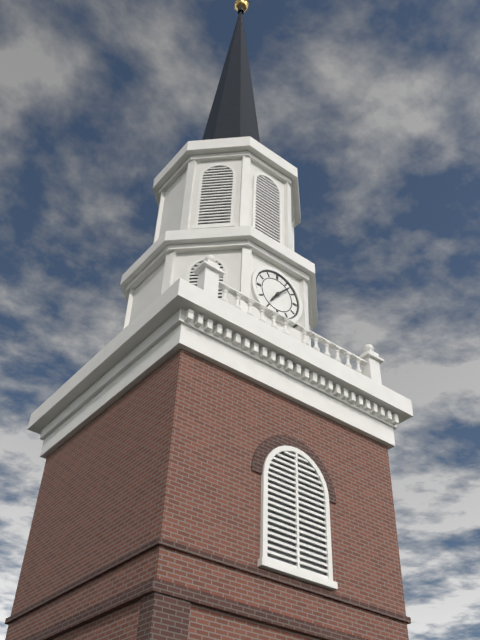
7:07
